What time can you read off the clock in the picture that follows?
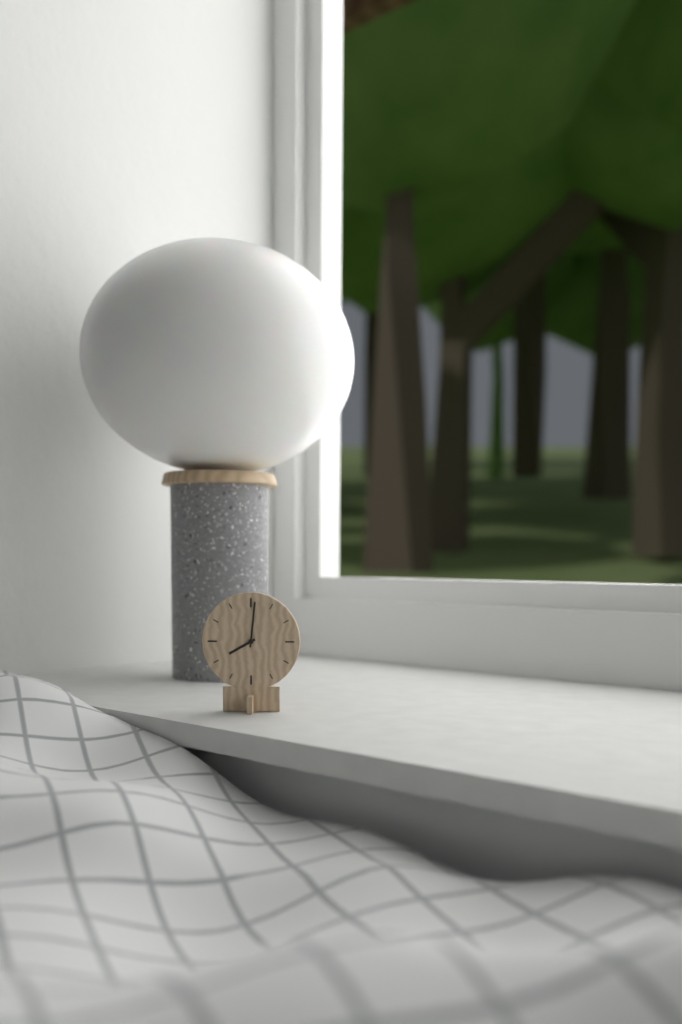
8:01
